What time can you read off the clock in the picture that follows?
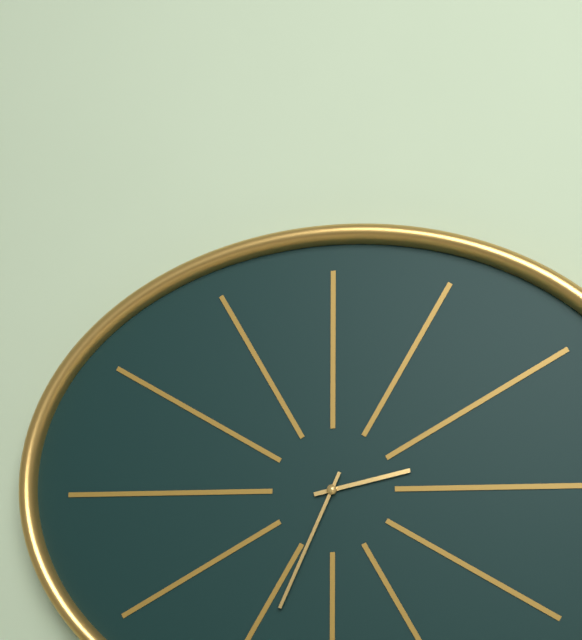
2:34
